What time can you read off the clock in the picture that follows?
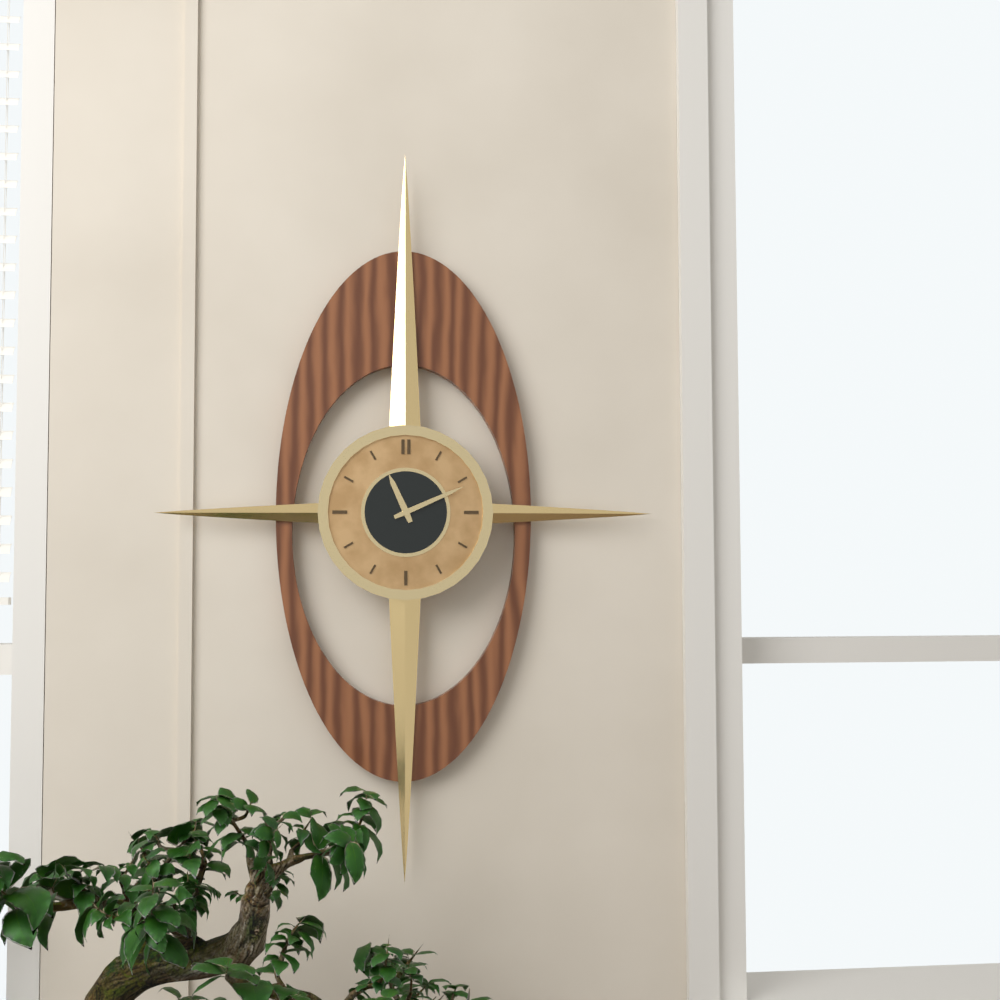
11:11
